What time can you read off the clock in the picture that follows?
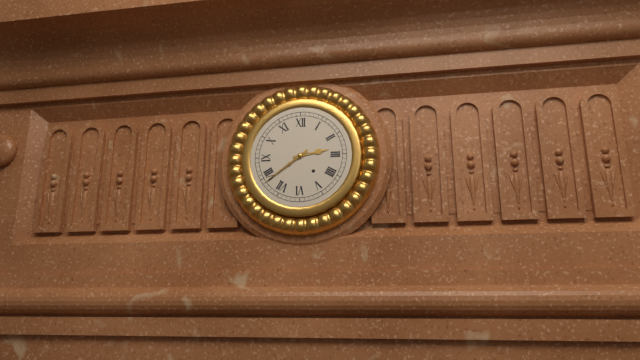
2:39
